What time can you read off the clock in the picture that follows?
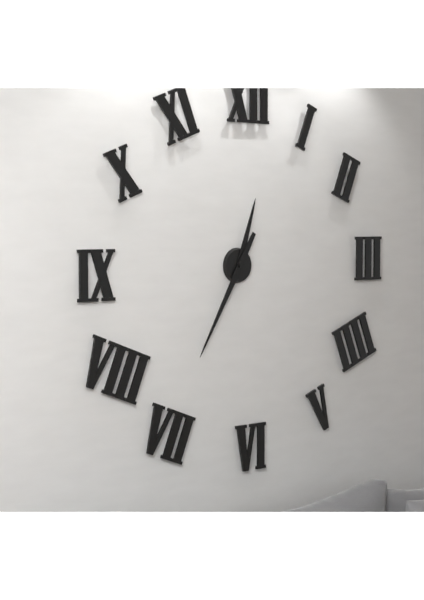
12:35
